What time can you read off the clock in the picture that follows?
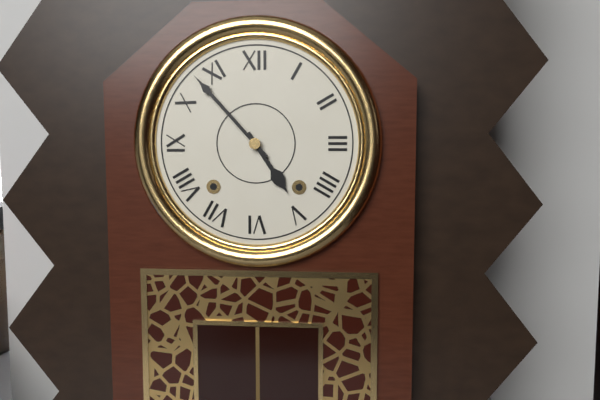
4:53
